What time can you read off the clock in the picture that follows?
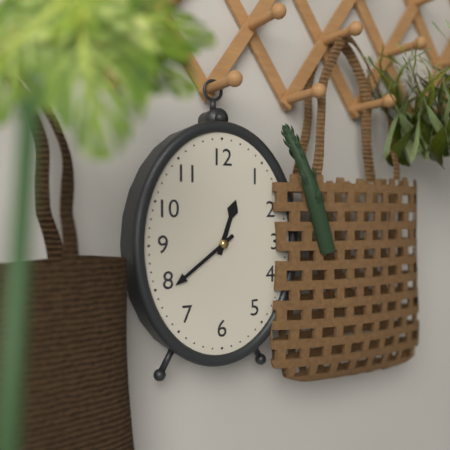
12:39
